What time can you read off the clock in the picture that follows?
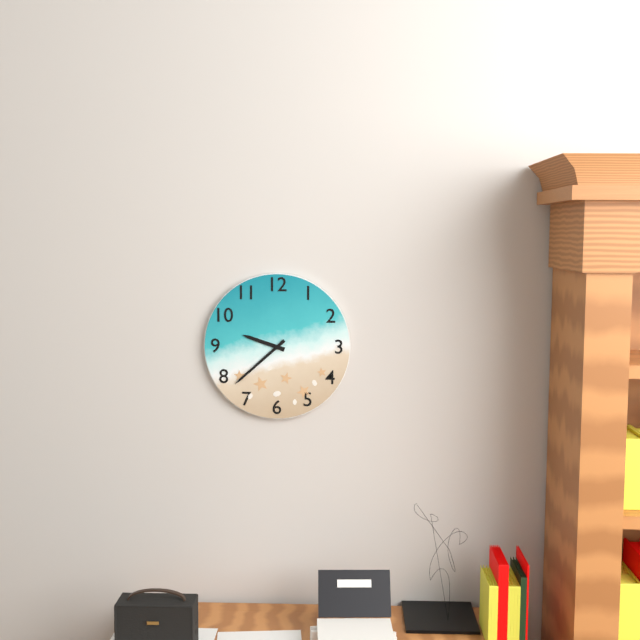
9:38
